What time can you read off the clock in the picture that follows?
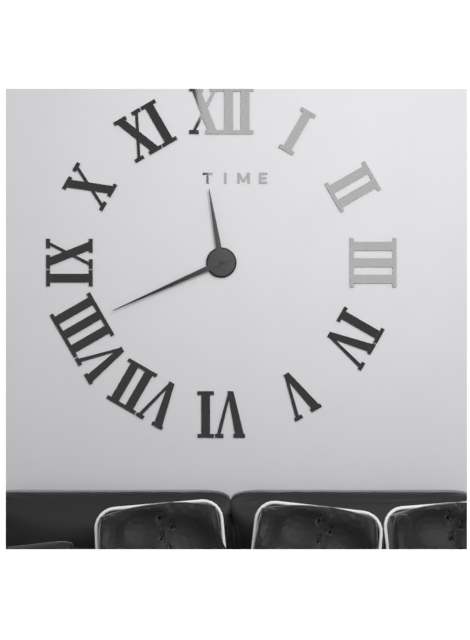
11:41
